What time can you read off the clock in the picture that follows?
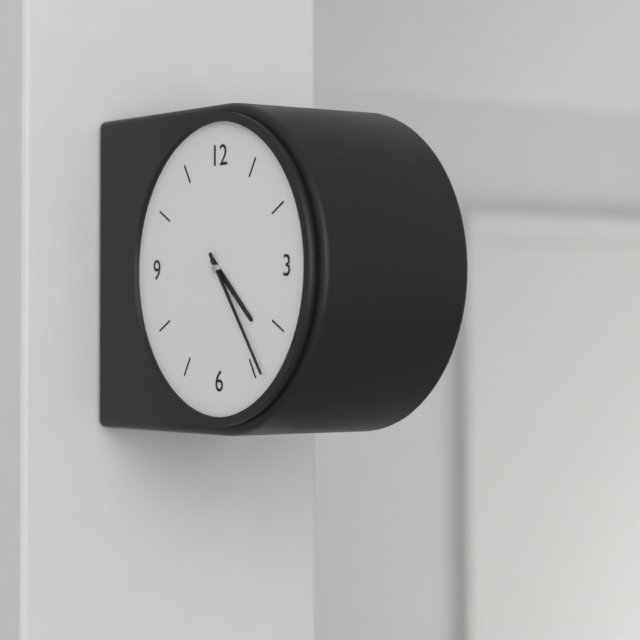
4:24
